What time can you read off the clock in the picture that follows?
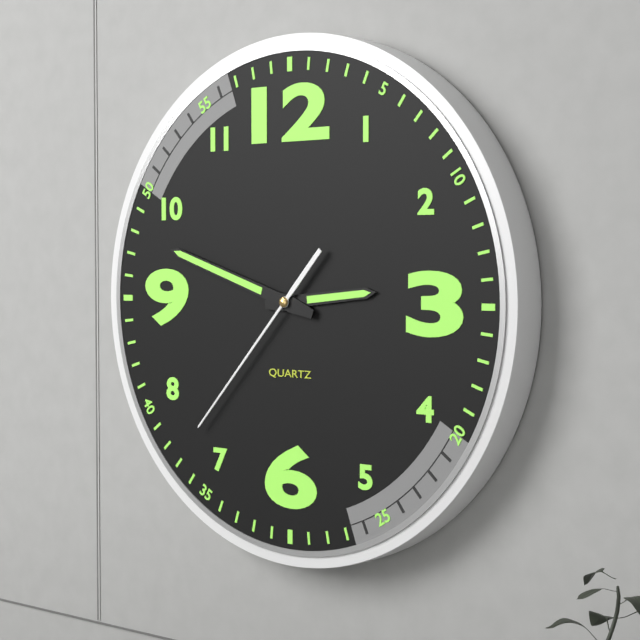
2:48:37
